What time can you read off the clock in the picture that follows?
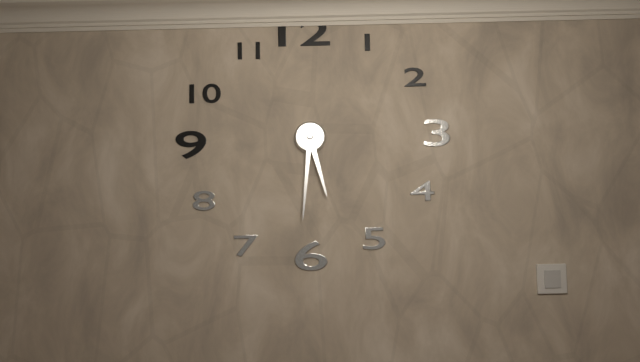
5:31
